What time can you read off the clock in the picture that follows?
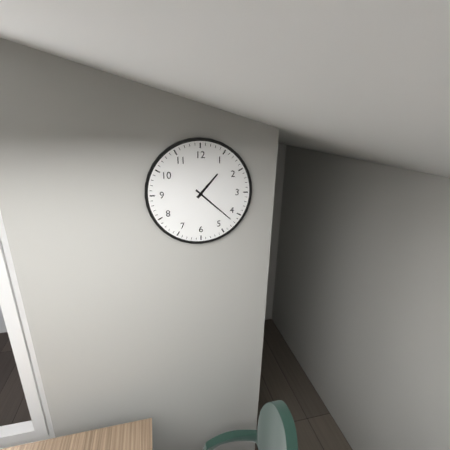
1:22
